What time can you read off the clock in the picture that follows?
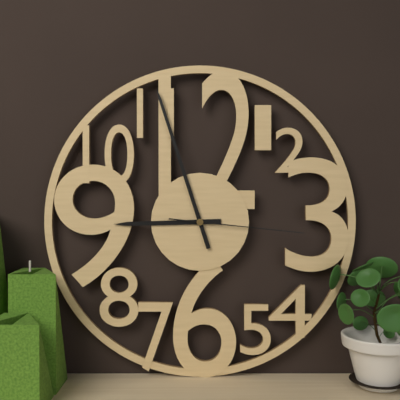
8:57:16
